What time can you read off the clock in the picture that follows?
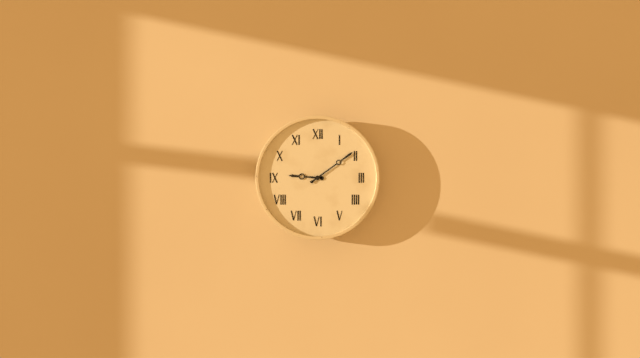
9:09
